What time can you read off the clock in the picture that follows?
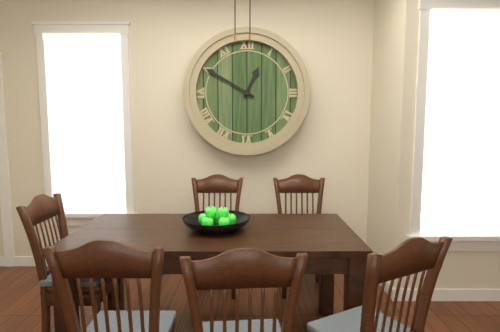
12:50
